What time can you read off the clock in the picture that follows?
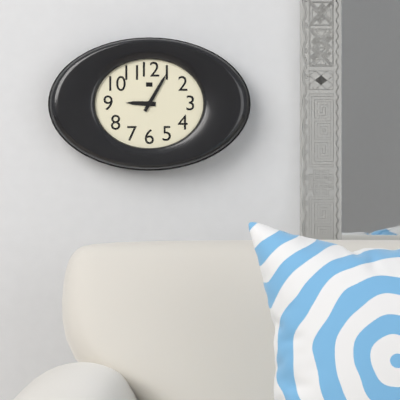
9:05
